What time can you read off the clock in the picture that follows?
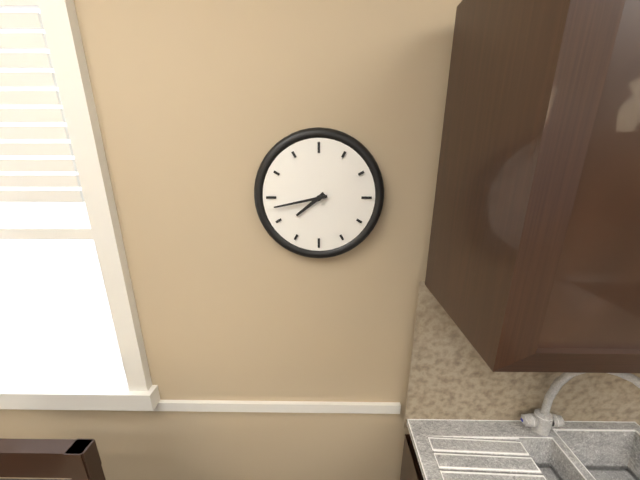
7:43
